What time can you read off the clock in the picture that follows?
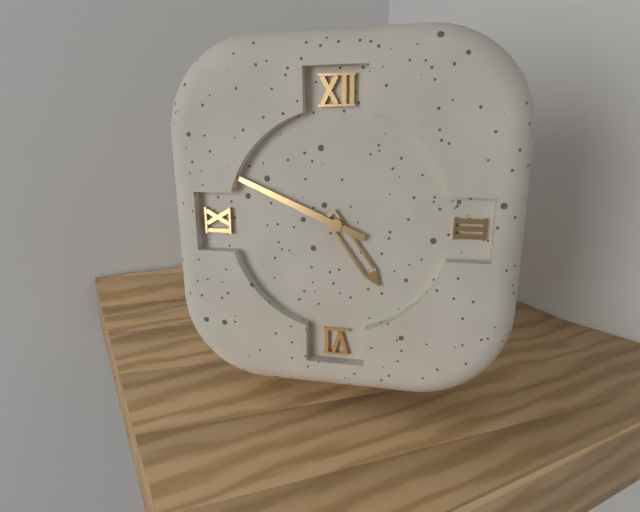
4:49
